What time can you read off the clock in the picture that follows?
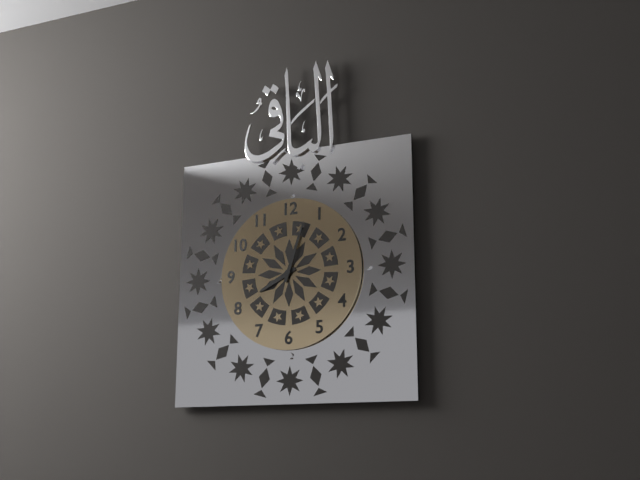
8:03
